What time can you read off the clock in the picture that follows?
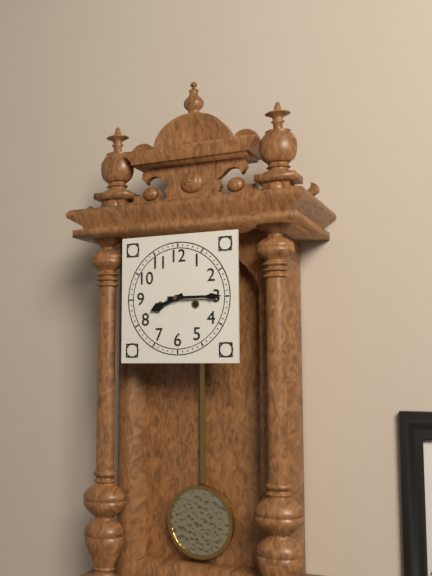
8:15
